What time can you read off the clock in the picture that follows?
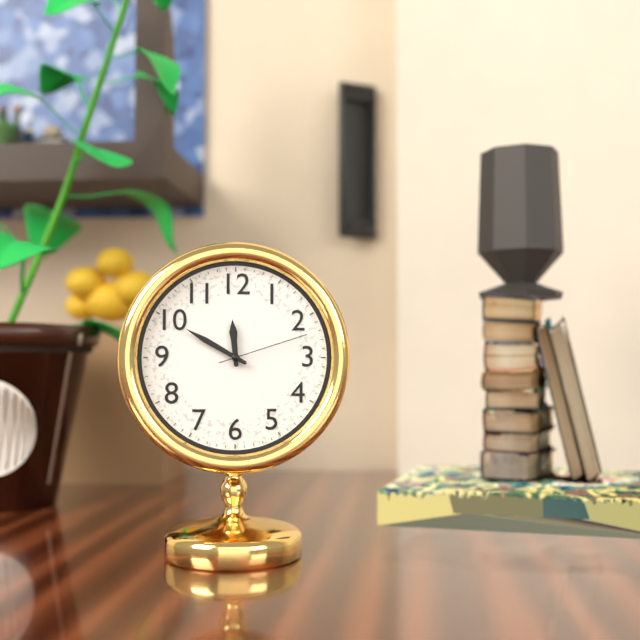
11:50:12
